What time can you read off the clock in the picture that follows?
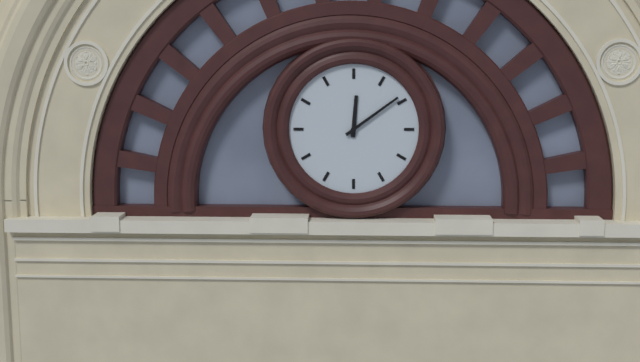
12:09
